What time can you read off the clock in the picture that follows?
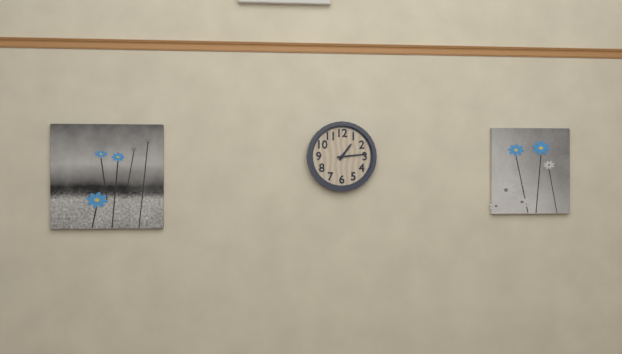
1:14
